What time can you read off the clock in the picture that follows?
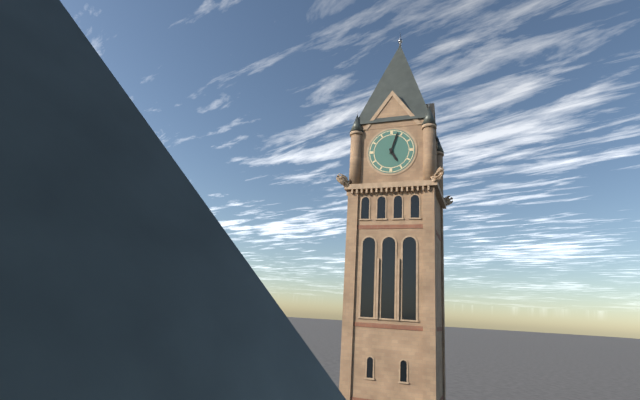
5:03
